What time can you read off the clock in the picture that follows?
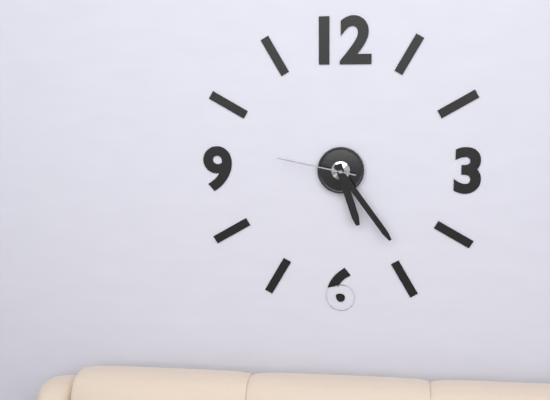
5:24:47
